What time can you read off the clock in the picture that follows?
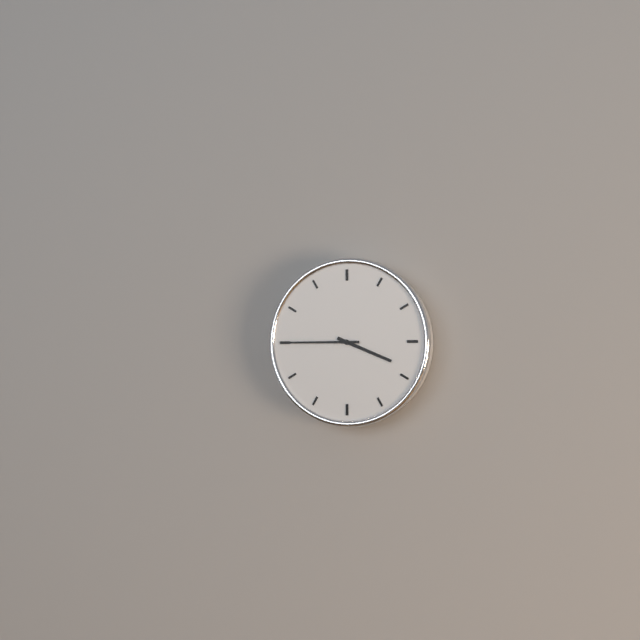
3:45
